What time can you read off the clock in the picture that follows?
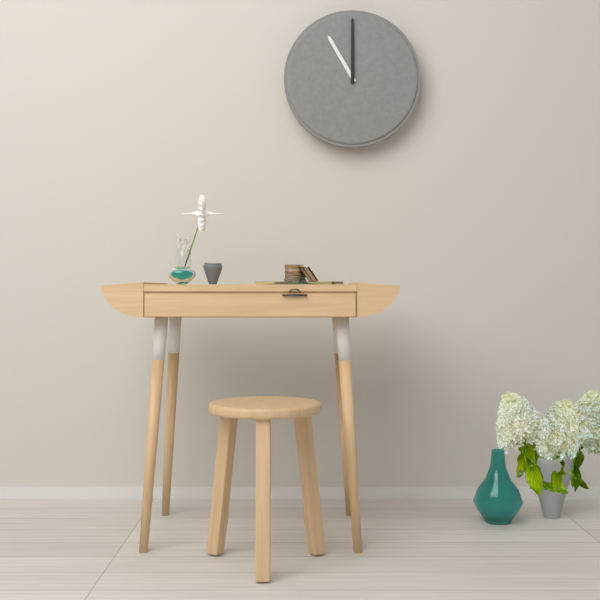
11:00
